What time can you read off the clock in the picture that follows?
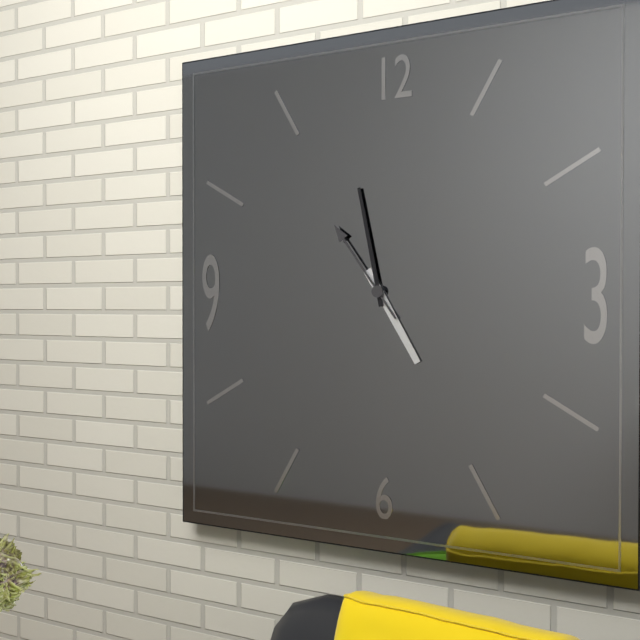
4:58:54
